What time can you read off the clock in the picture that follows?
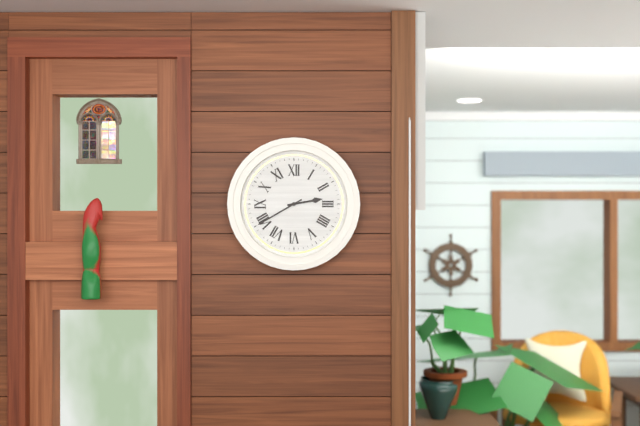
2:40
